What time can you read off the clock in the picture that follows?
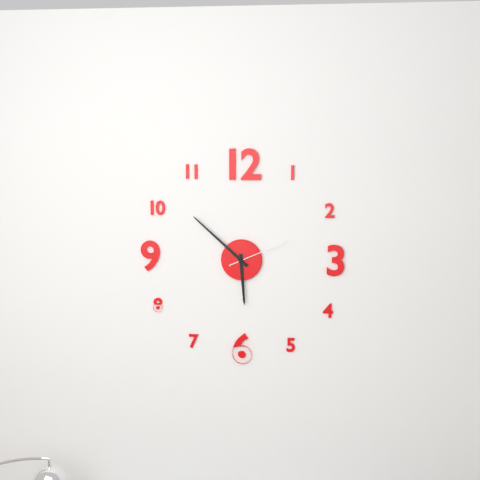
5:52:11
